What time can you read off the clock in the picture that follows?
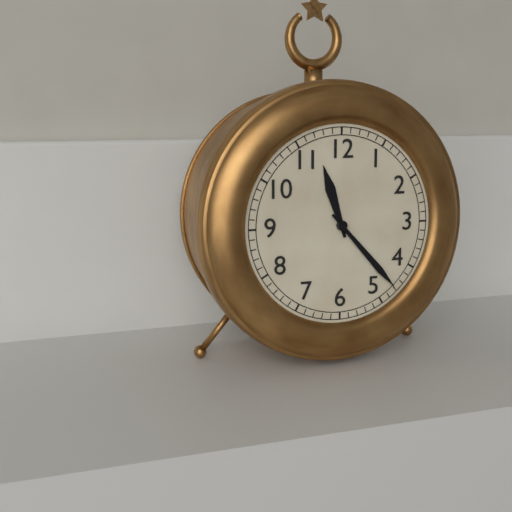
11:23
